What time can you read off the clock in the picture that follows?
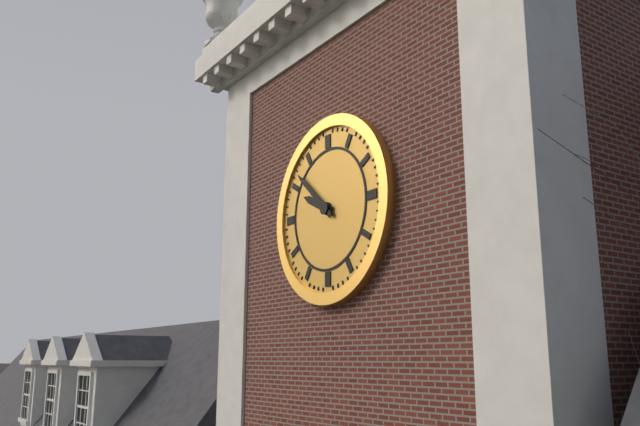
9:52
